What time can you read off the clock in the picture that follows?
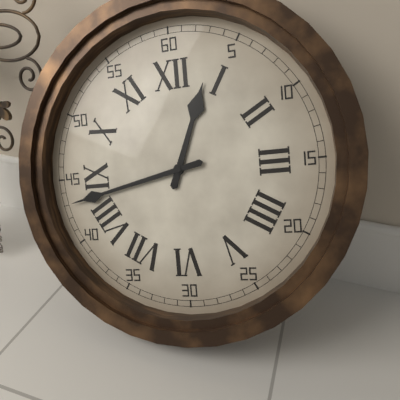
12:43
